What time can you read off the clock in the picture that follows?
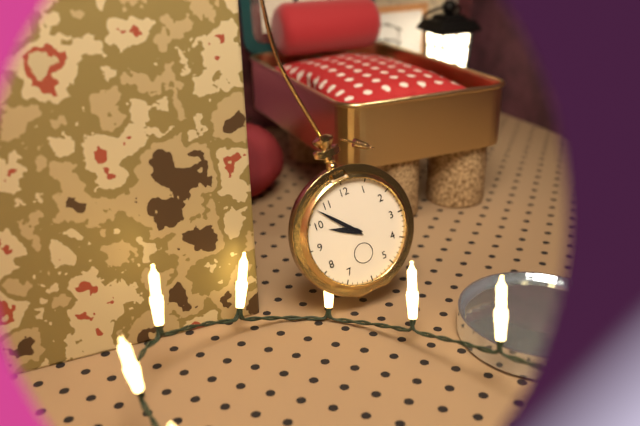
9:53
